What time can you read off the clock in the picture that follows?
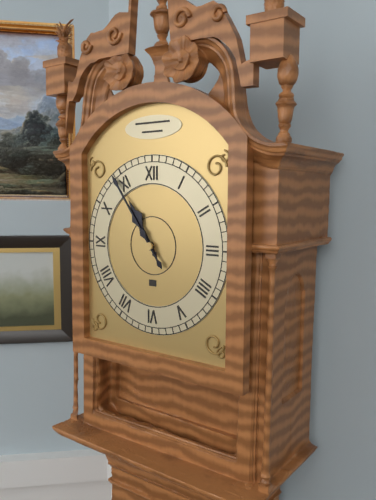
10:54
